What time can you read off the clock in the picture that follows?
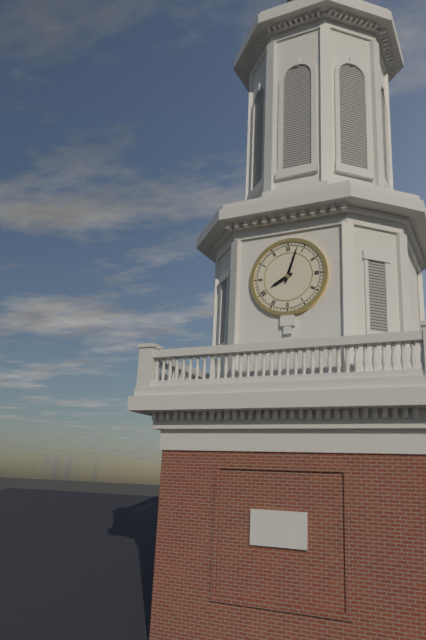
8:03
